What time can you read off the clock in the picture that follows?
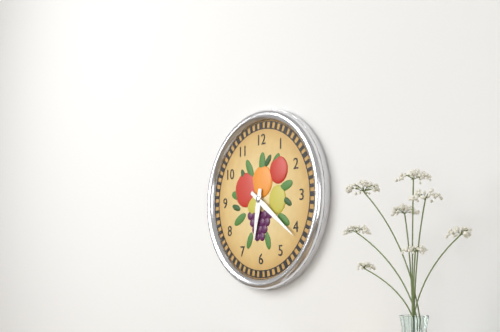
6:21
